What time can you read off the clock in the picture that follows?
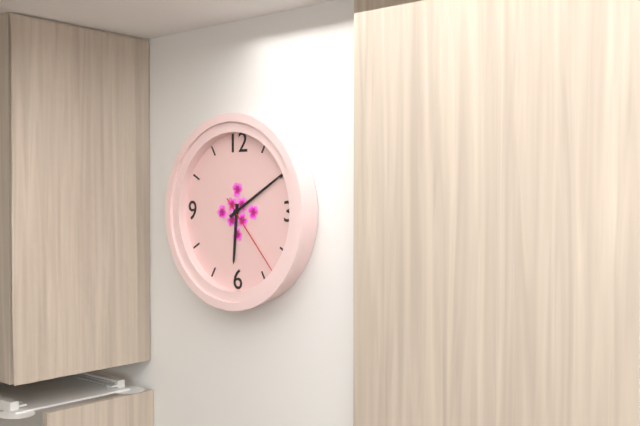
6:10:23
